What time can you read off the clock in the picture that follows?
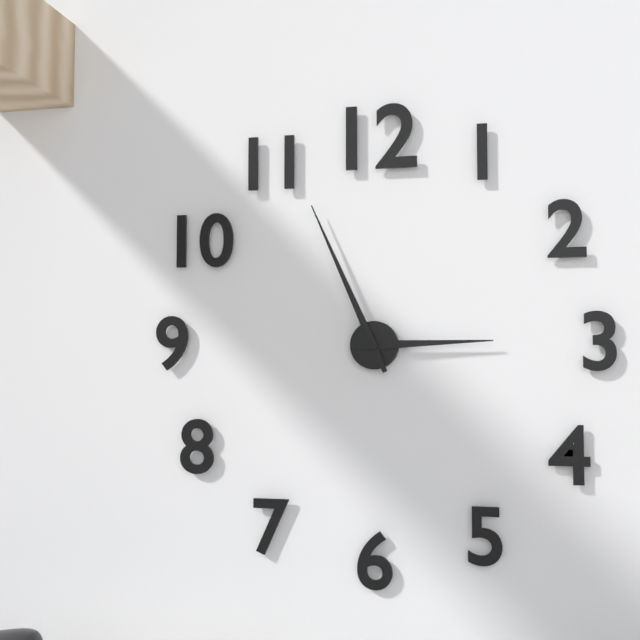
2:56
